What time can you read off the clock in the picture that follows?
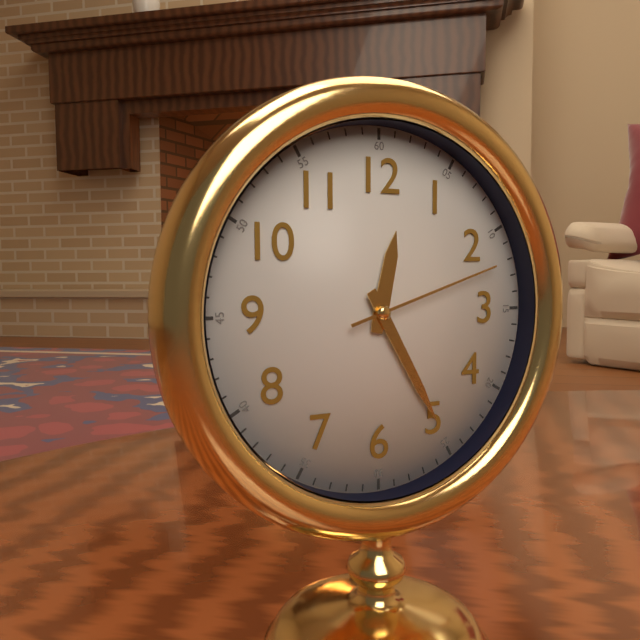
12:25:12
